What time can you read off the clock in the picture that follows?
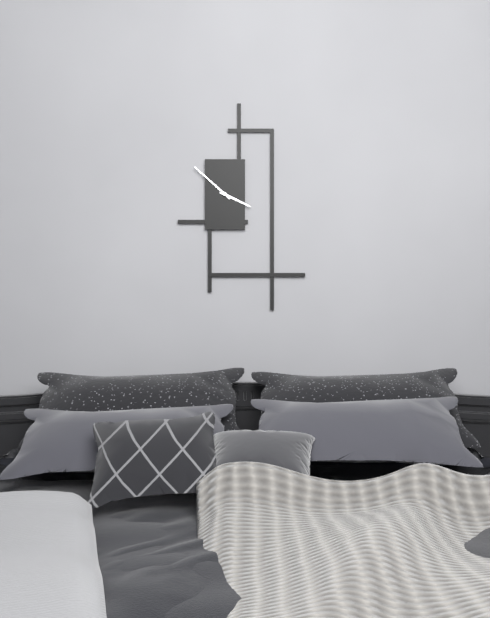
3:52
